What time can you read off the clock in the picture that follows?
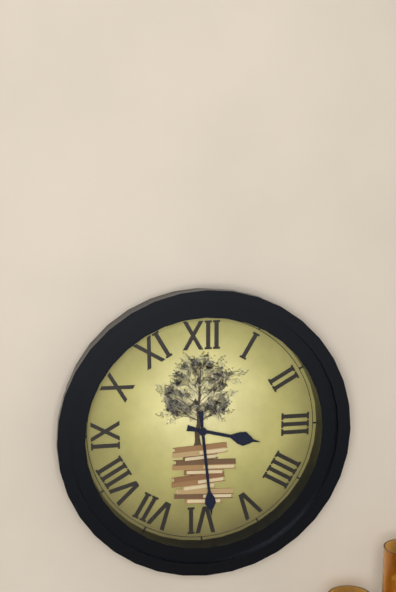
3:29
